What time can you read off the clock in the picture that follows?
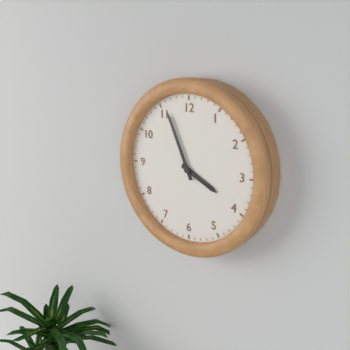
3:56
